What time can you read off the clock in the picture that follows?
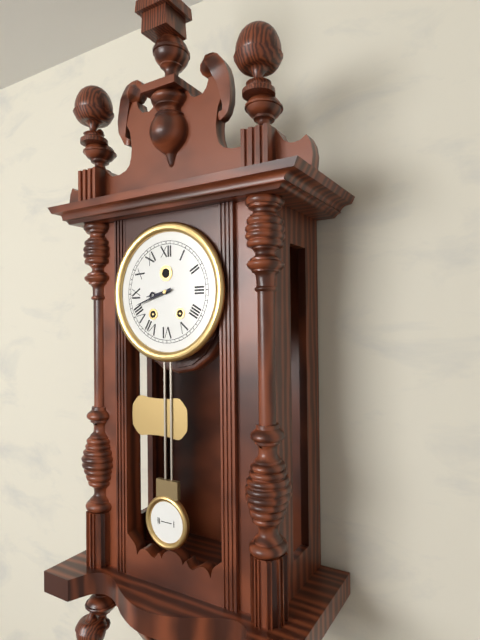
8:42
